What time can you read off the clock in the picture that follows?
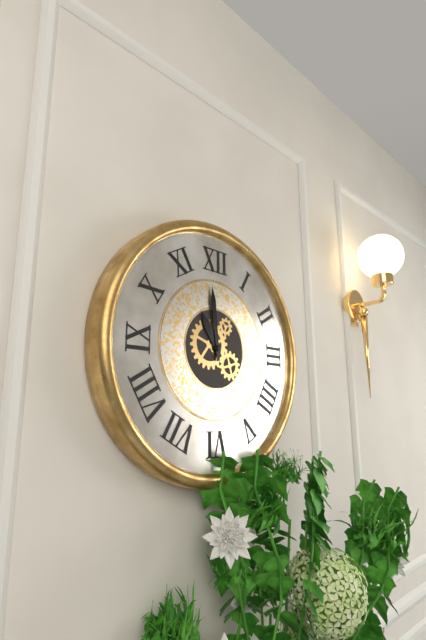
10:59
